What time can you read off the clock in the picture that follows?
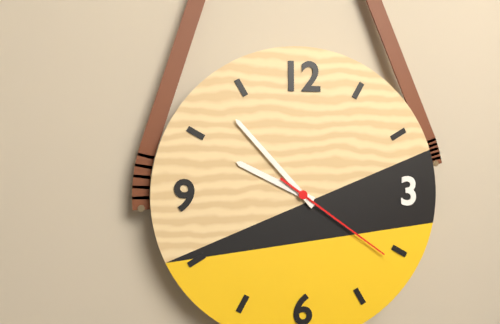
9:53:21
